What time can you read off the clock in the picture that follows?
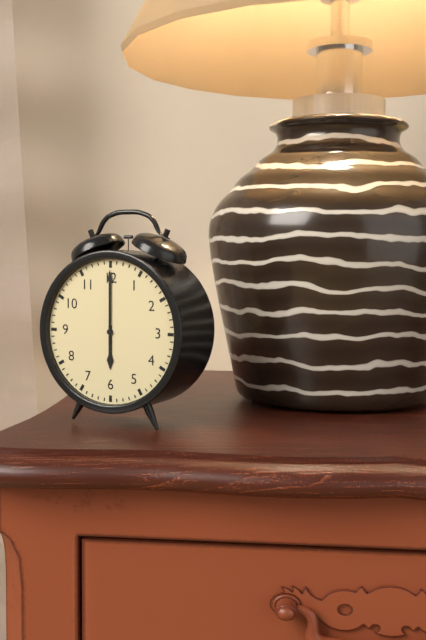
6:00
